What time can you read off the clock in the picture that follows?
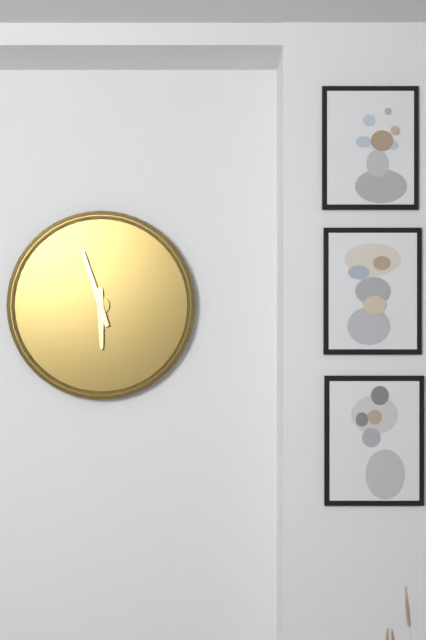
5:57
